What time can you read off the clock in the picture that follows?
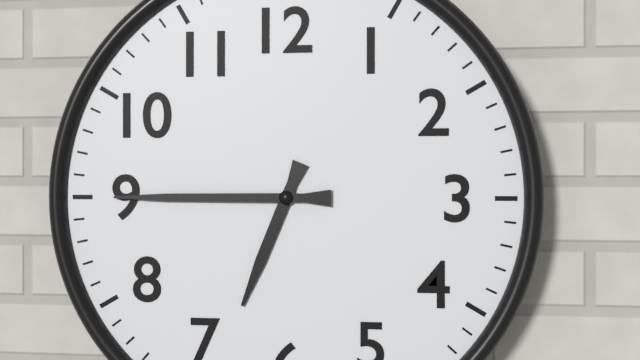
6:45
